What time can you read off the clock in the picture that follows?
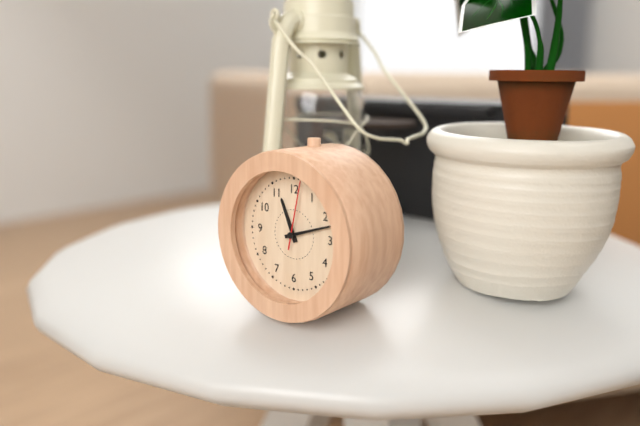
11:12:02
